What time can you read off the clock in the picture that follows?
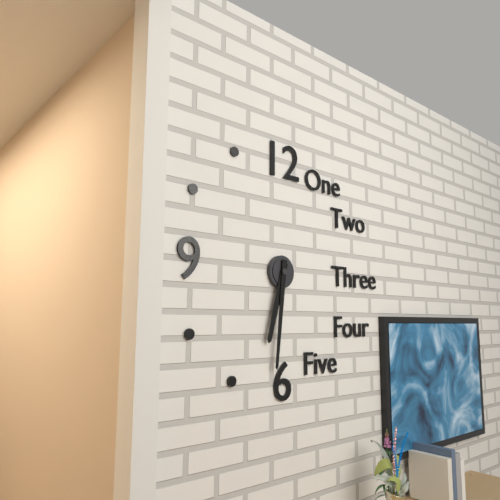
6:31
